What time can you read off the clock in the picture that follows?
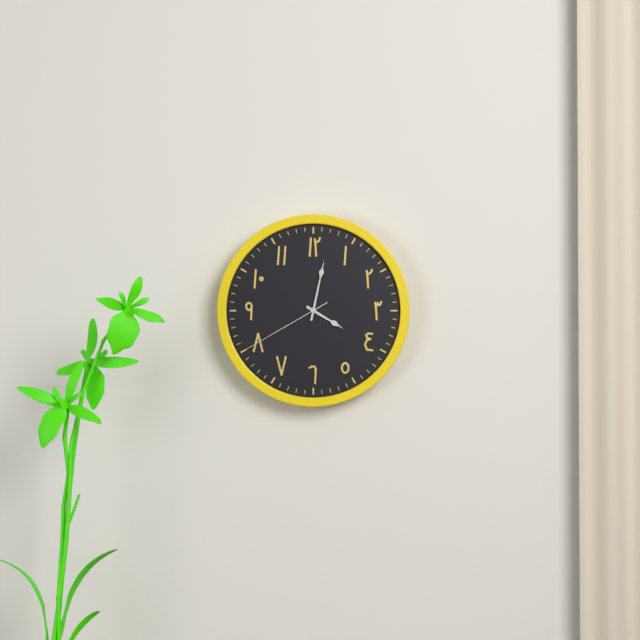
4:02:40
